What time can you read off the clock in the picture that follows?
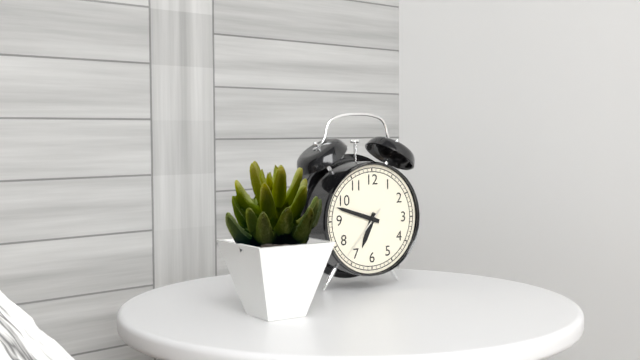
6:48:37
